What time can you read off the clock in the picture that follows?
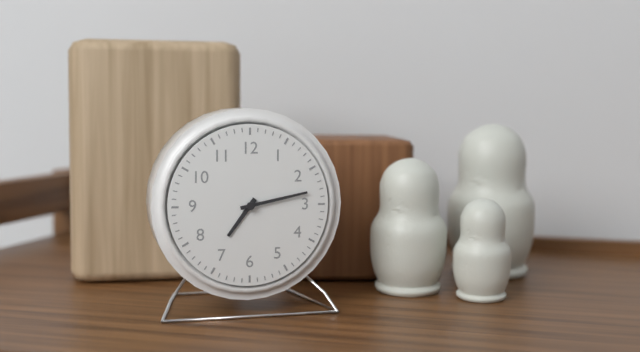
7:13
